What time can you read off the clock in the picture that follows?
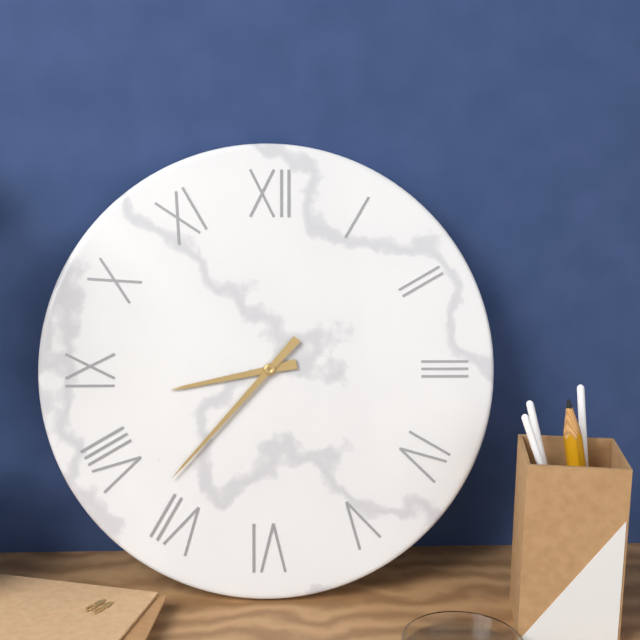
8:37
